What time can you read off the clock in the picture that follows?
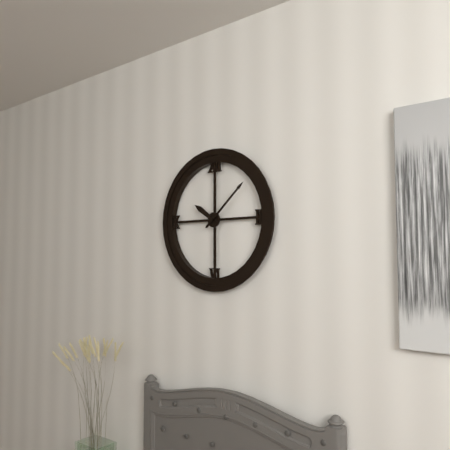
10:08
